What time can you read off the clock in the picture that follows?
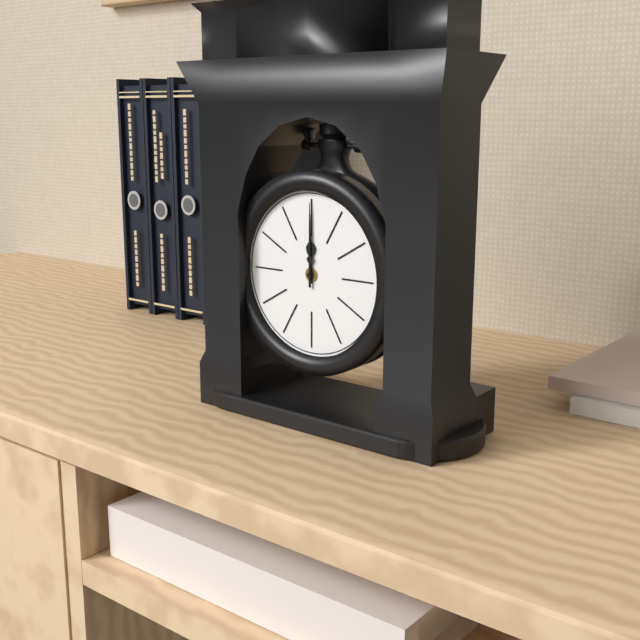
12:00
